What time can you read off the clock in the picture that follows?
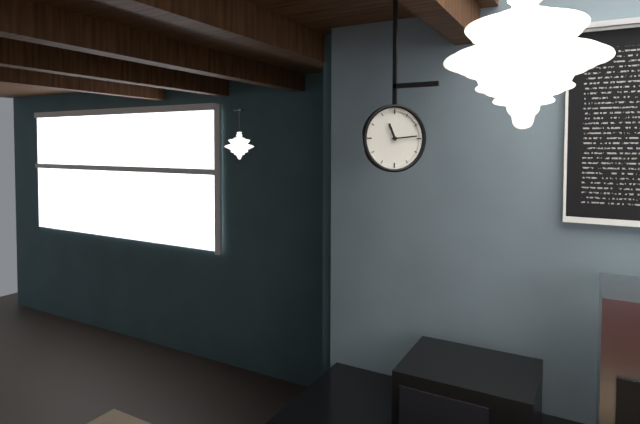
11:14
